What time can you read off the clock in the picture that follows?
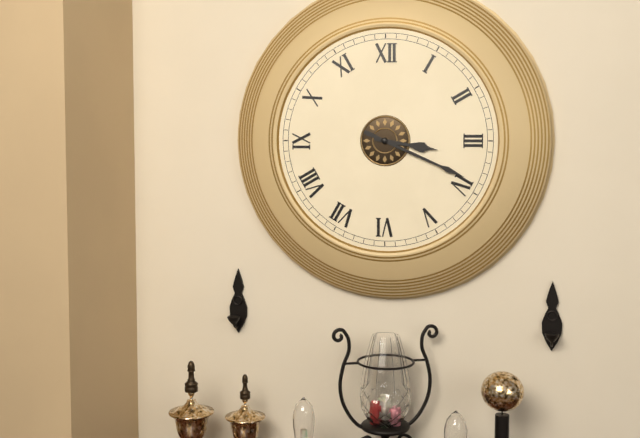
3:19
